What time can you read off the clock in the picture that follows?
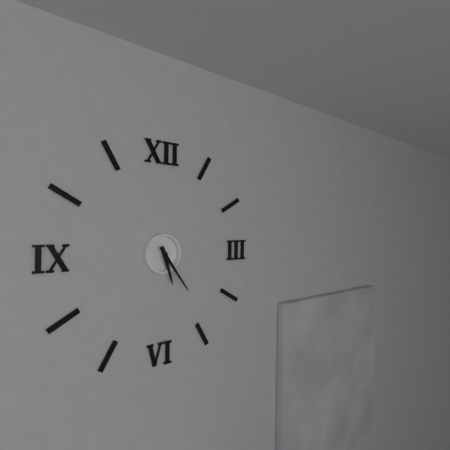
5:24
